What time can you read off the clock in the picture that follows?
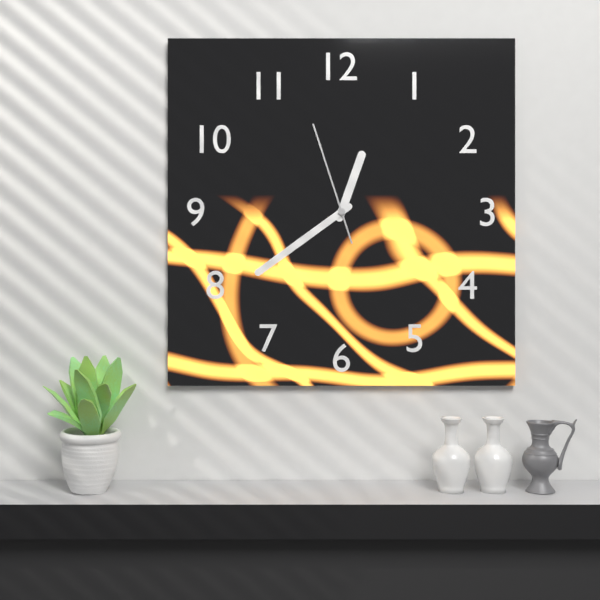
12:39:57
